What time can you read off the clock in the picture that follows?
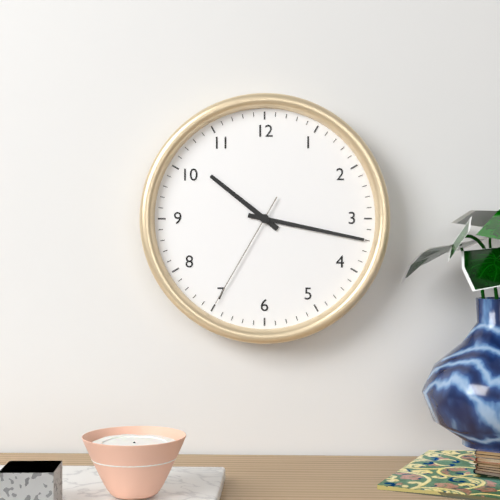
10:17:35
